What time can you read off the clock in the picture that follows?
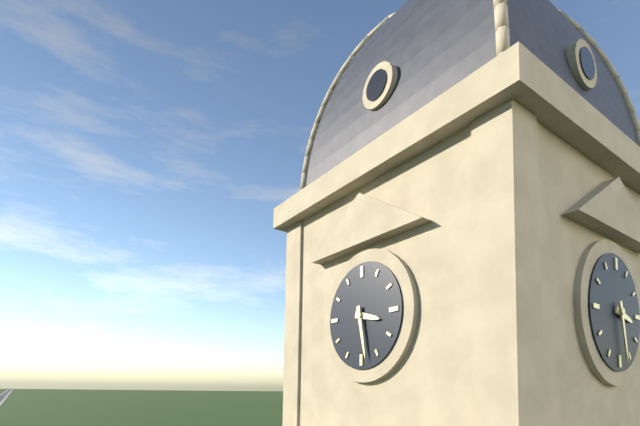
3:28
